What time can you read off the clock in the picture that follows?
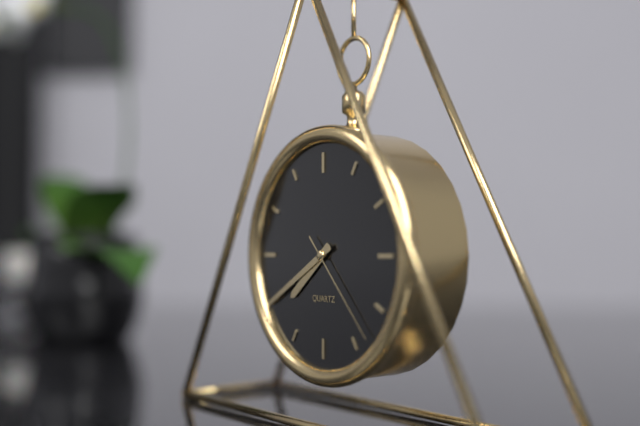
7:40:23
